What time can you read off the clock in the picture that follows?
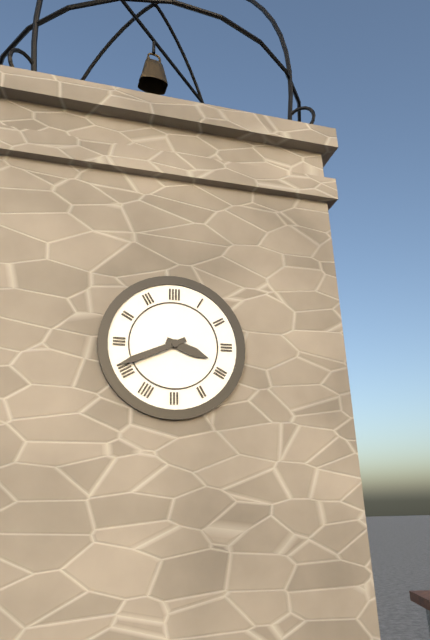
3:41
